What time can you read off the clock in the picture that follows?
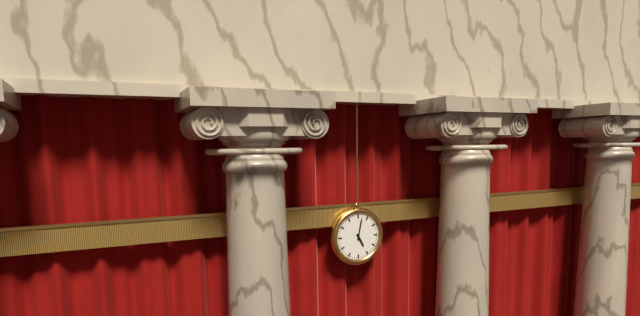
5:02
